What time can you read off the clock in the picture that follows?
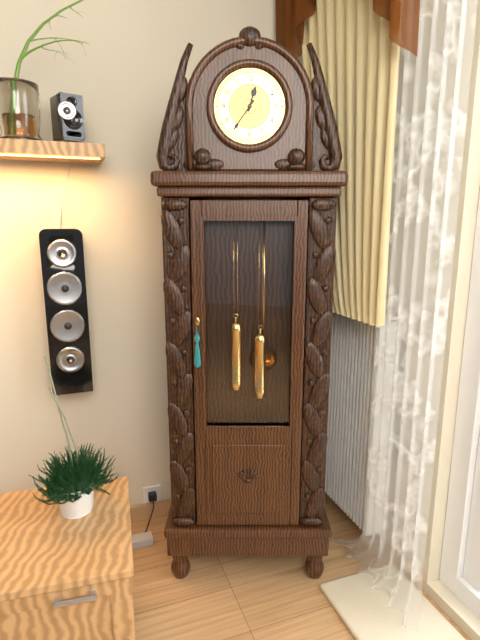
12:36
